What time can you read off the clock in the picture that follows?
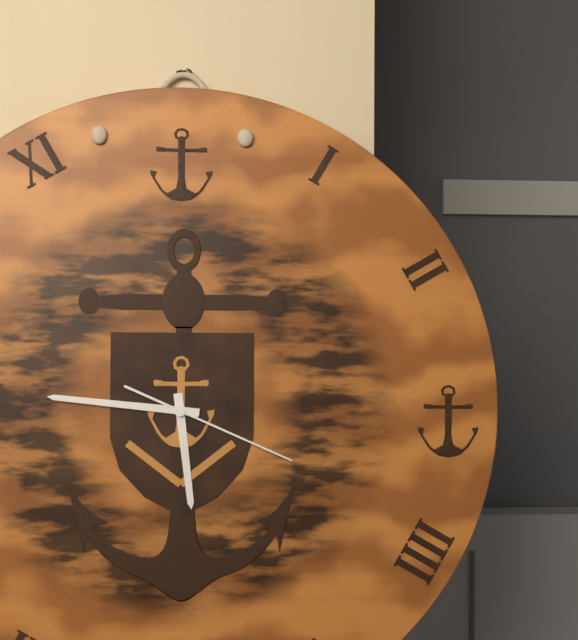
5:46:19
